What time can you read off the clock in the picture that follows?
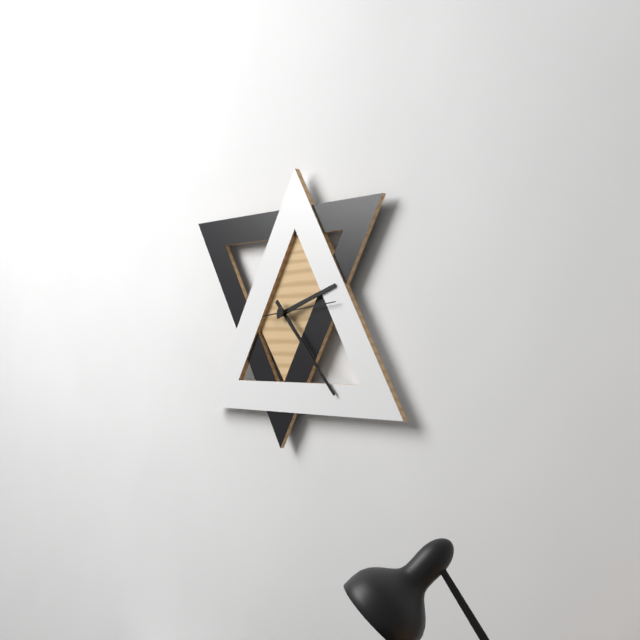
2:23:14
